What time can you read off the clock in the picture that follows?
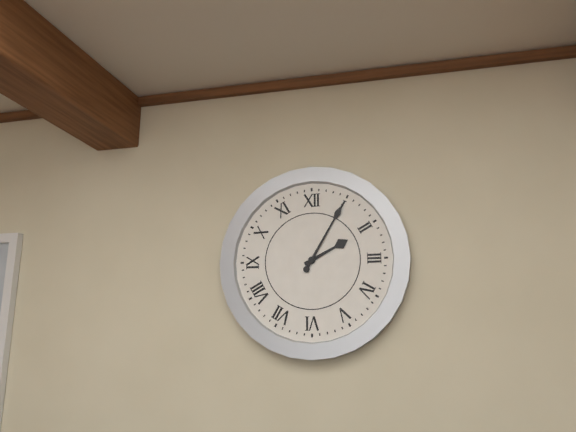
2:05
